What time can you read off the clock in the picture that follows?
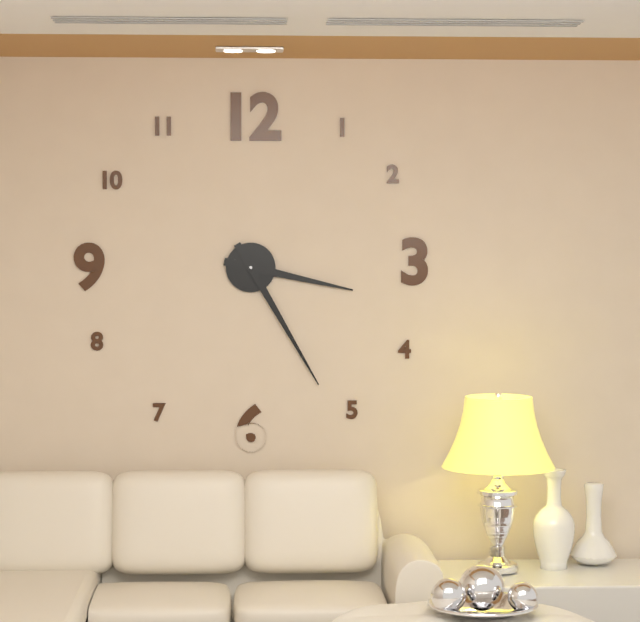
3:25
